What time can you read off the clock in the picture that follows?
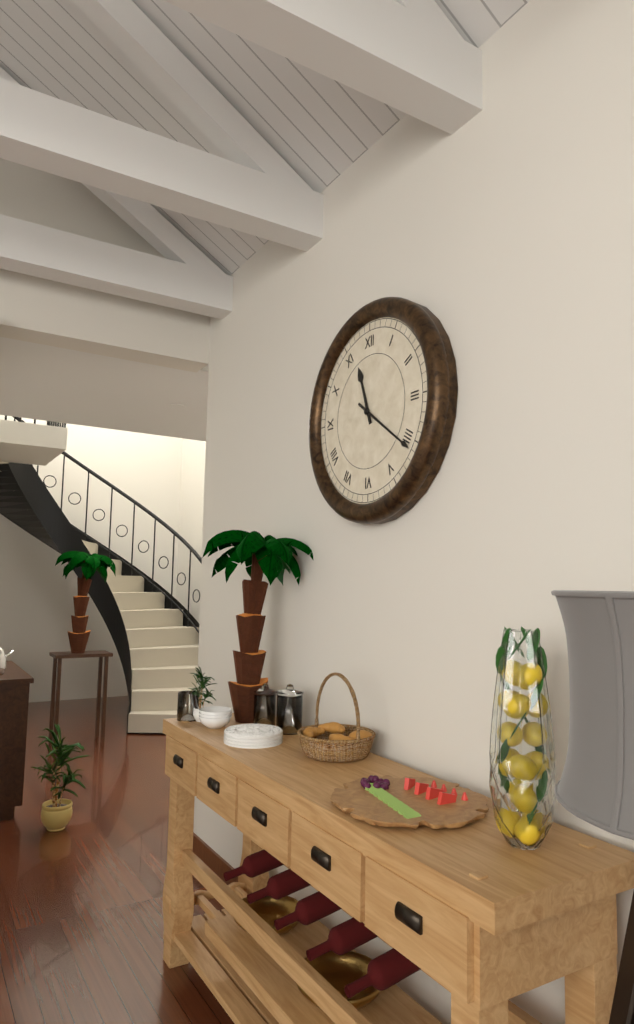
11:21
